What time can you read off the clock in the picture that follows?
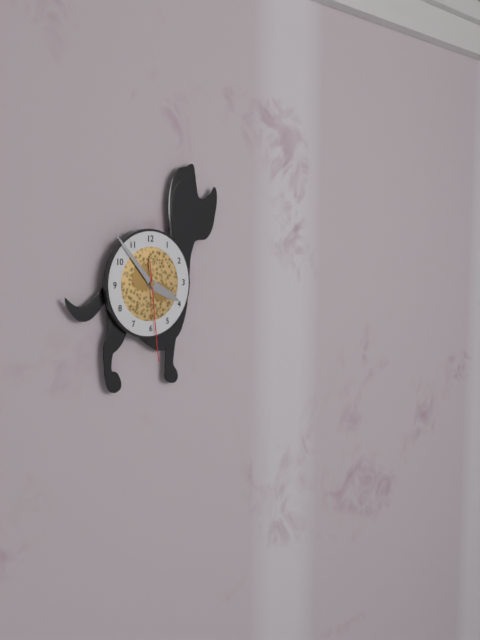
3:53:29
